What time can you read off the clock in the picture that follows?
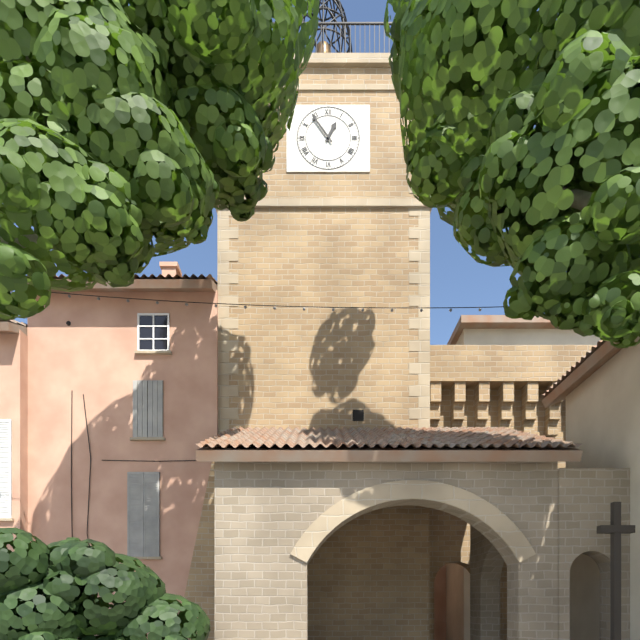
12:54
